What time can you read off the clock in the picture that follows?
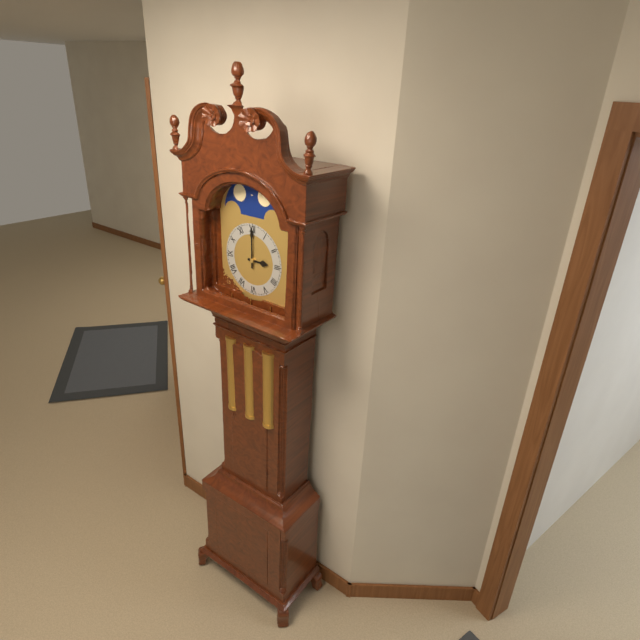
3:00
